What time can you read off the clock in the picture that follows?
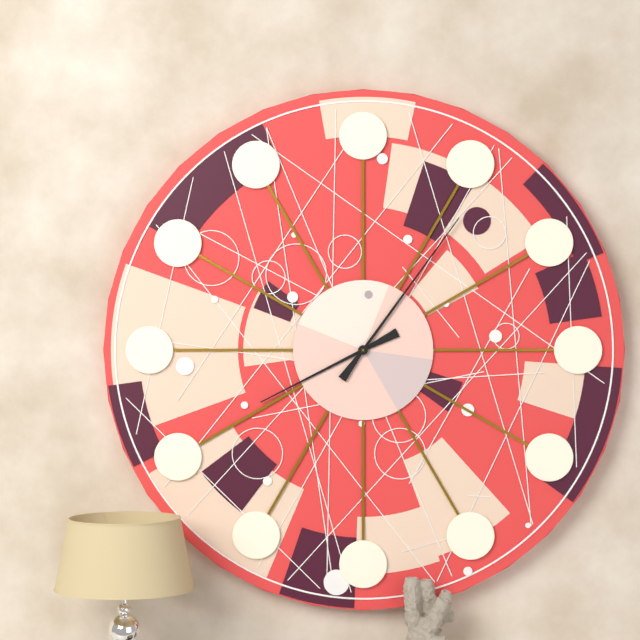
8:06
